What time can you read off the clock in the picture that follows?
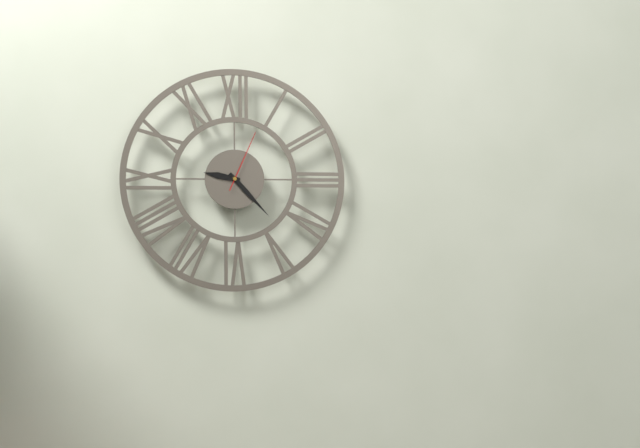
9:23:04
